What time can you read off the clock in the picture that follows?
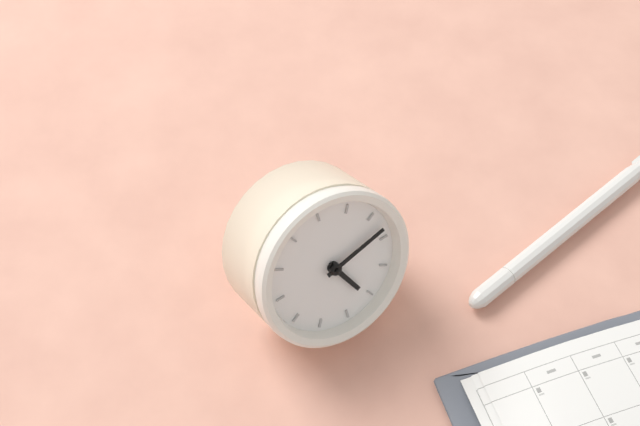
4:08
